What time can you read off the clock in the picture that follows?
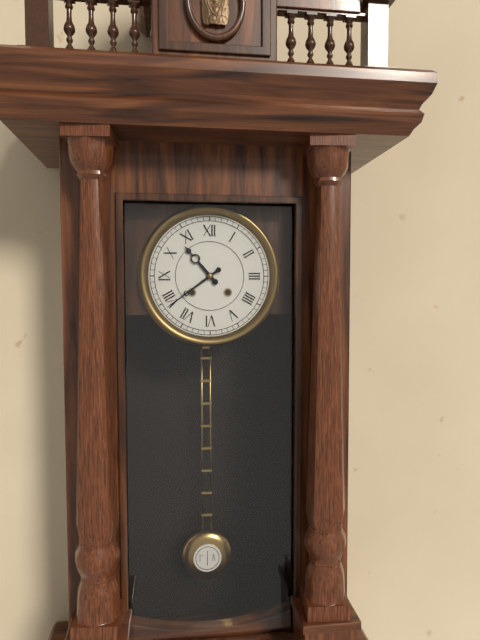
10:39
